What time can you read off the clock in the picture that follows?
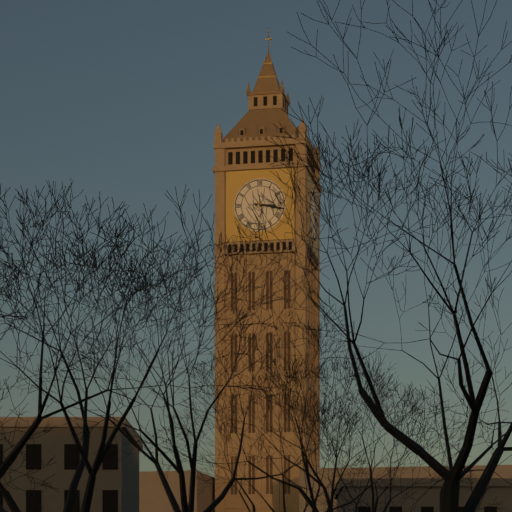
3:17
